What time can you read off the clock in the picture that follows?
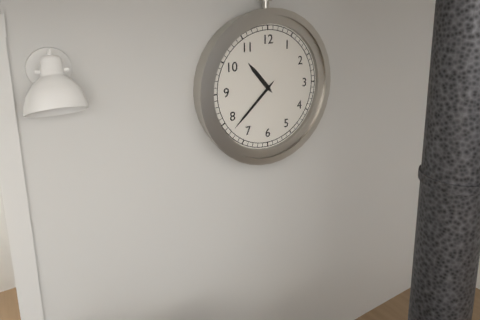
10:38
